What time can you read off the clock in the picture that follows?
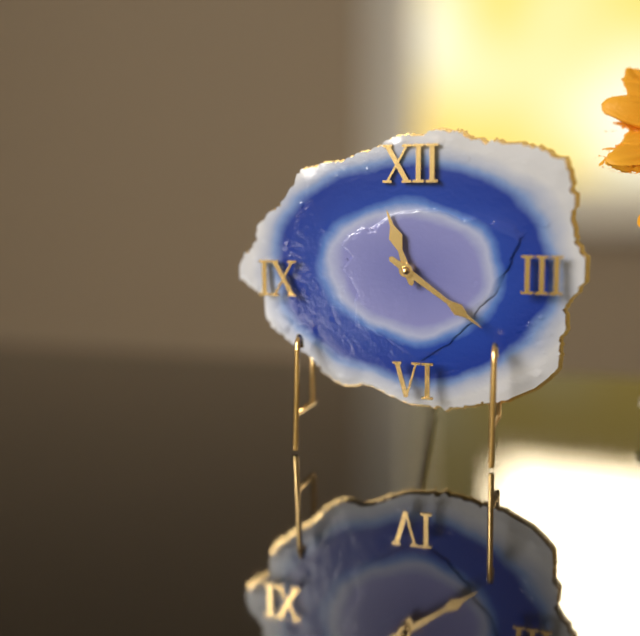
11:21
